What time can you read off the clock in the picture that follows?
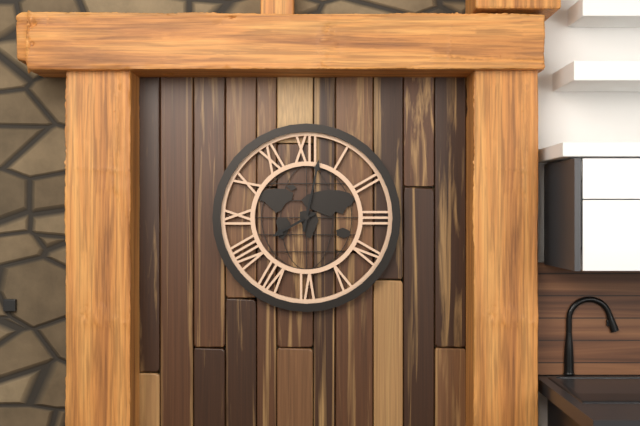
8:02
